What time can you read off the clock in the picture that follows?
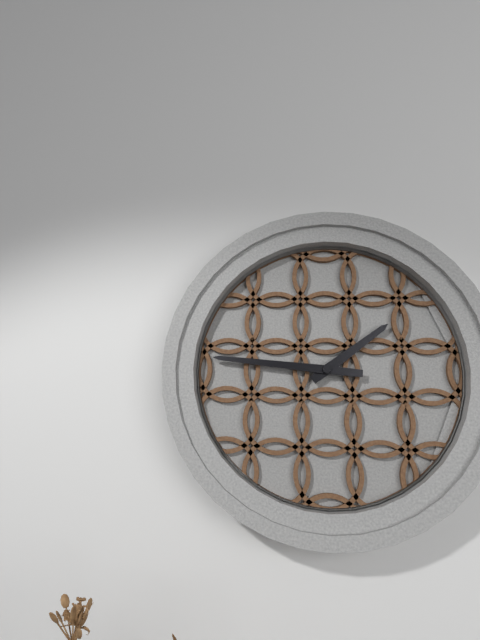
1:46
